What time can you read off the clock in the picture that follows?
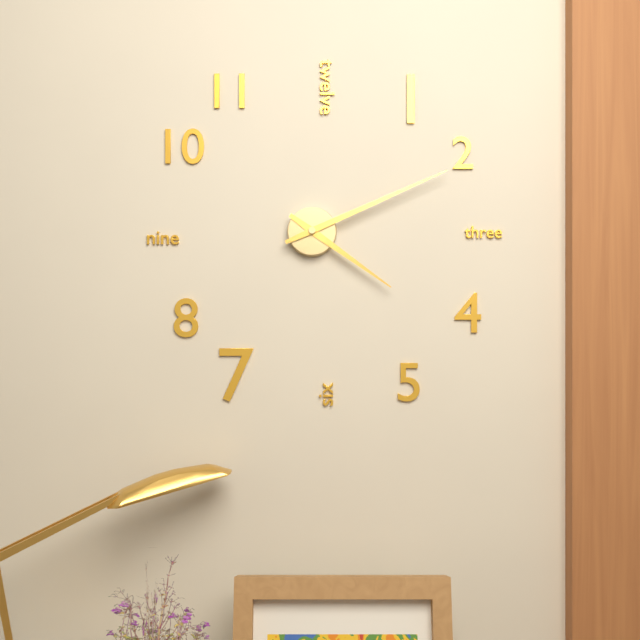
4:11
